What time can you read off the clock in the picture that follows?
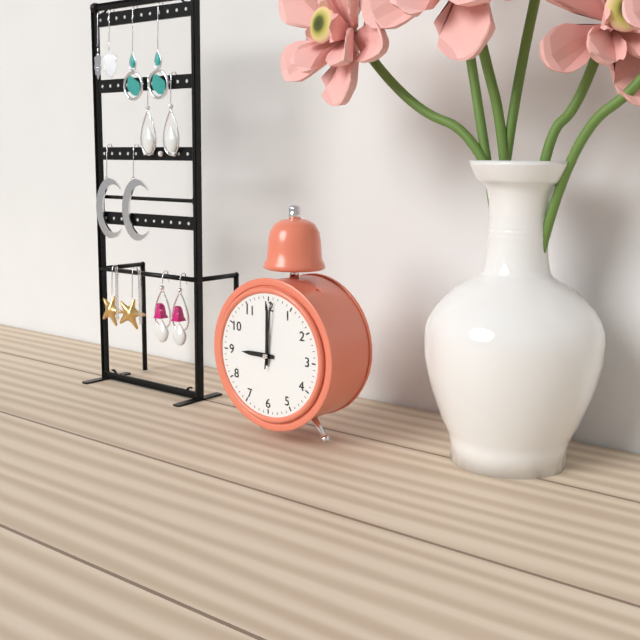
9:00:01
